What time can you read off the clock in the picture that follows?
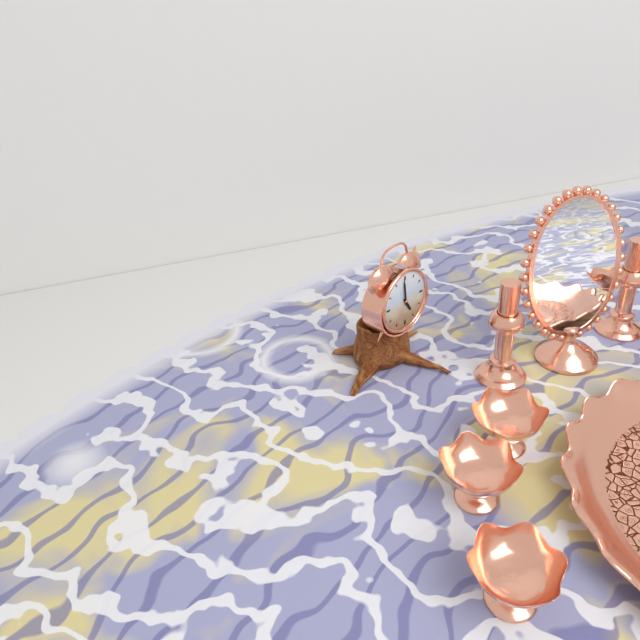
4:59
